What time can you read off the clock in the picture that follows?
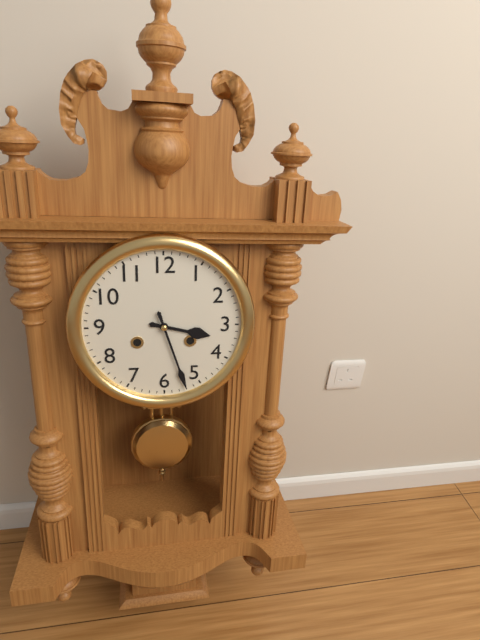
3:27
